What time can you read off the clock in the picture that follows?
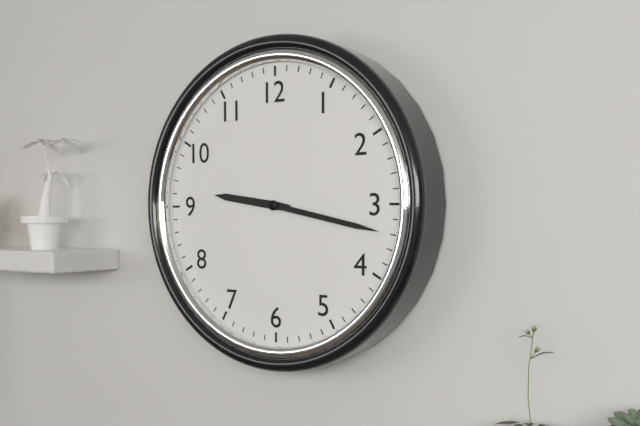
9:17
